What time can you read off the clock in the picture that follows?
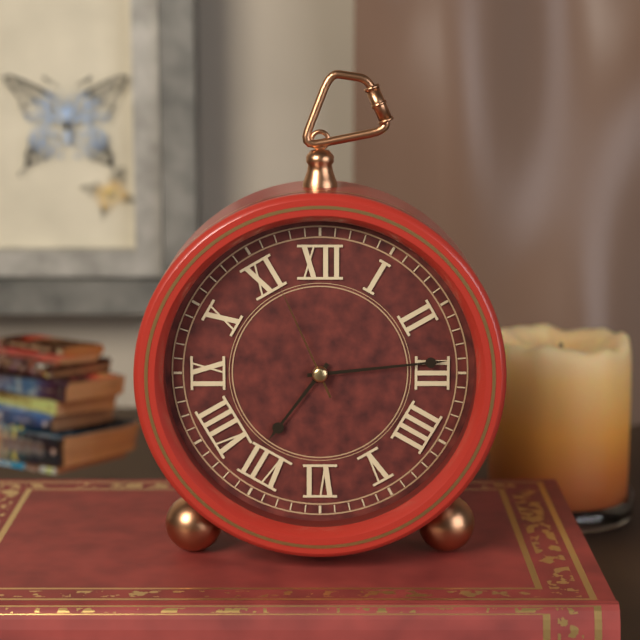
7:14:56
